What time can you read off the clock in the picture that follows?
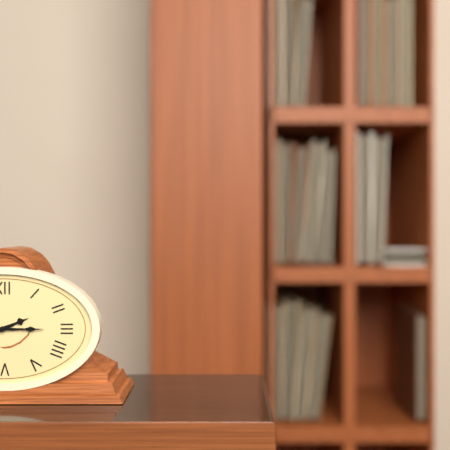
2:15
